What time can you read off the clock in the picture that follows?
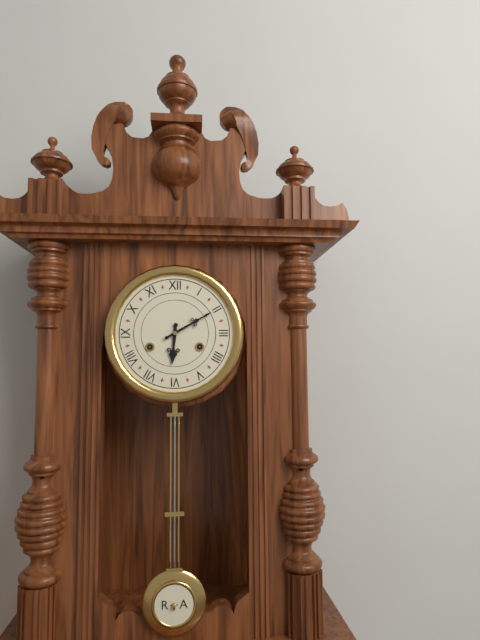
6:10
